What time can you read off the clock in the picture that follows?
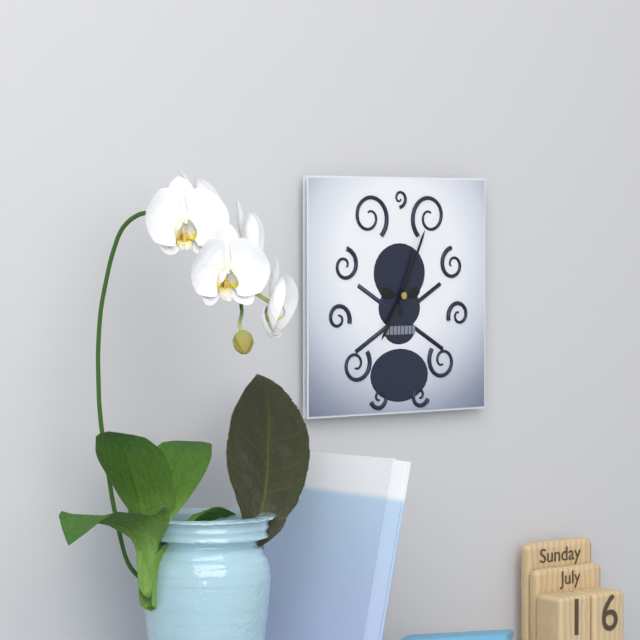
7:04
